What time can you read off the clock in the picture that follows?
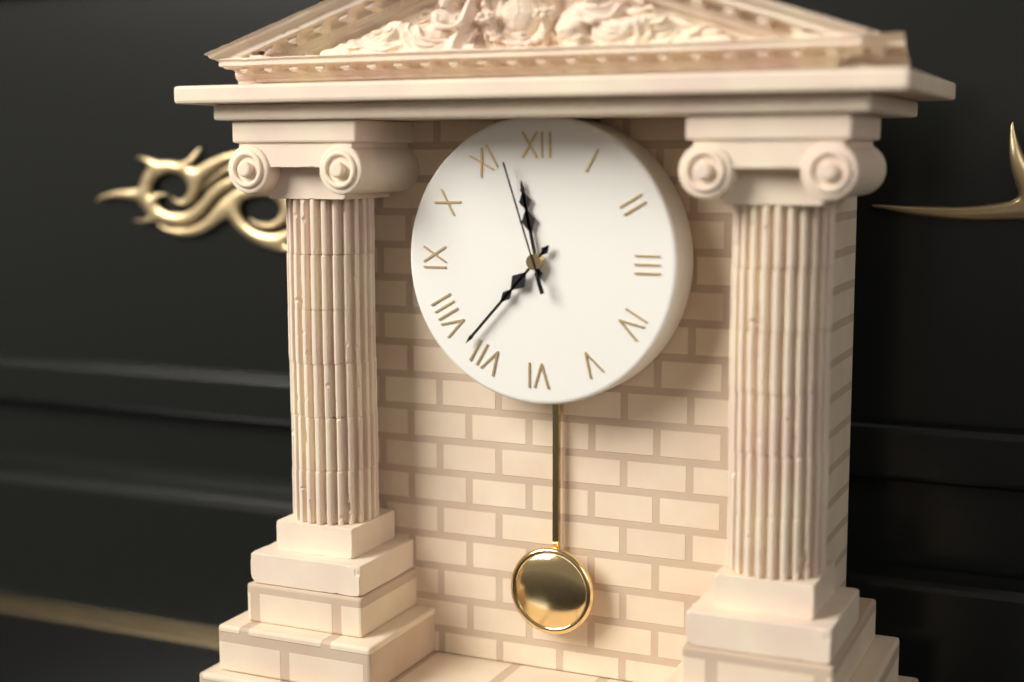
11:37:57
